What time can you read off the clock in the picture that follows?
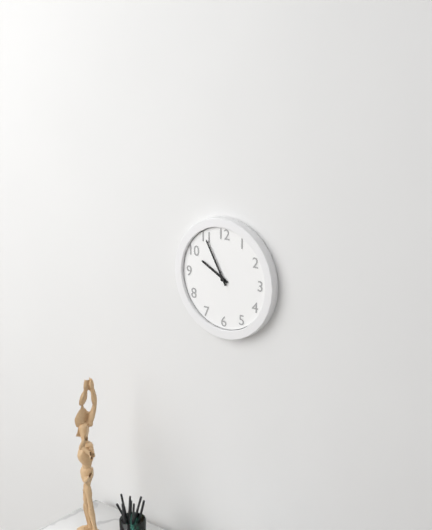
9:55
